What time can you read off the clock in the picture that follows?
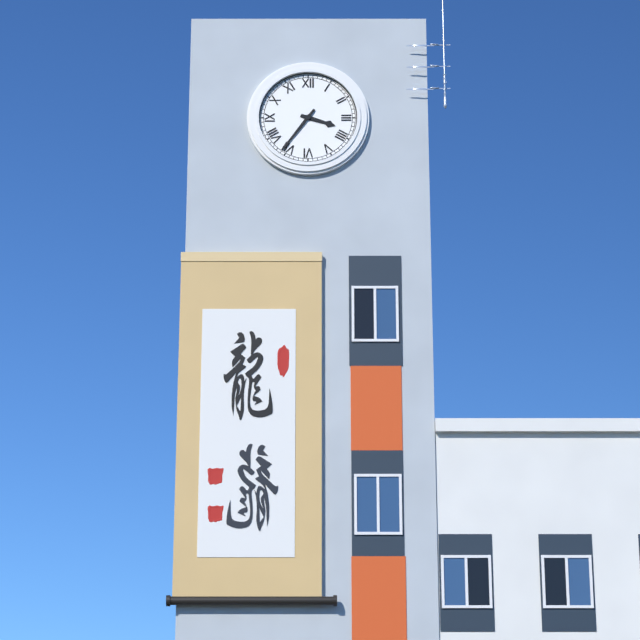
3:36
